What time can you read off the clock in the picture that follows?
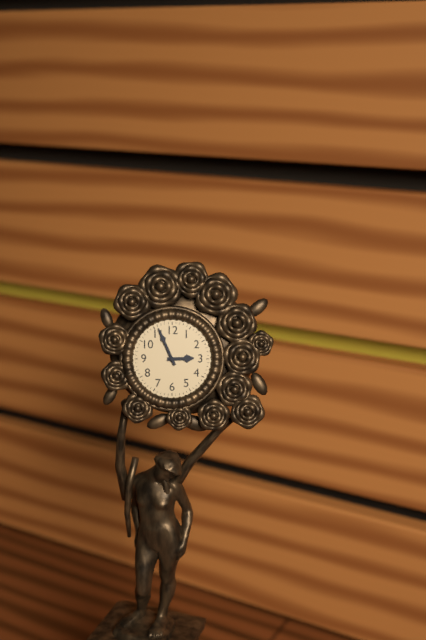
2:56
